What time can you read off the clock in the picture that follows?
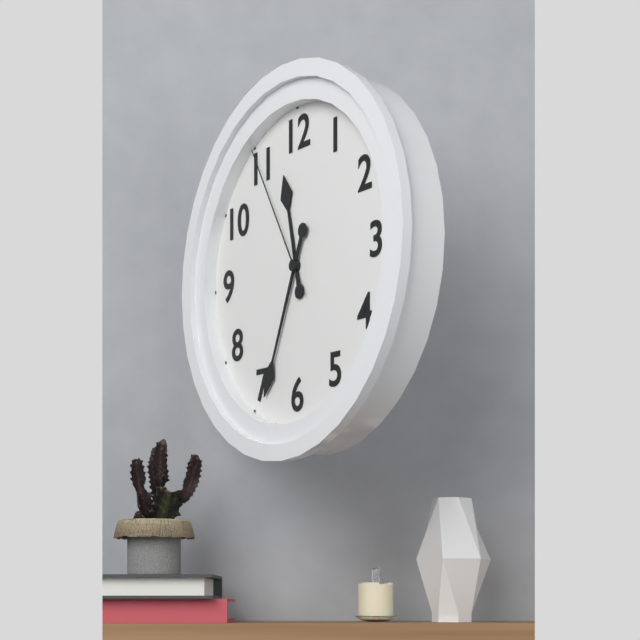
11:34:55
